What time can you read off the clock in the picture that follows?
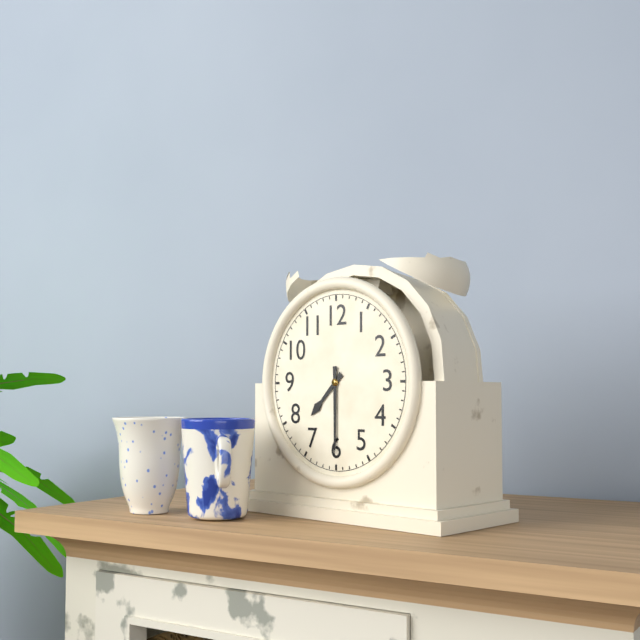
7:30
